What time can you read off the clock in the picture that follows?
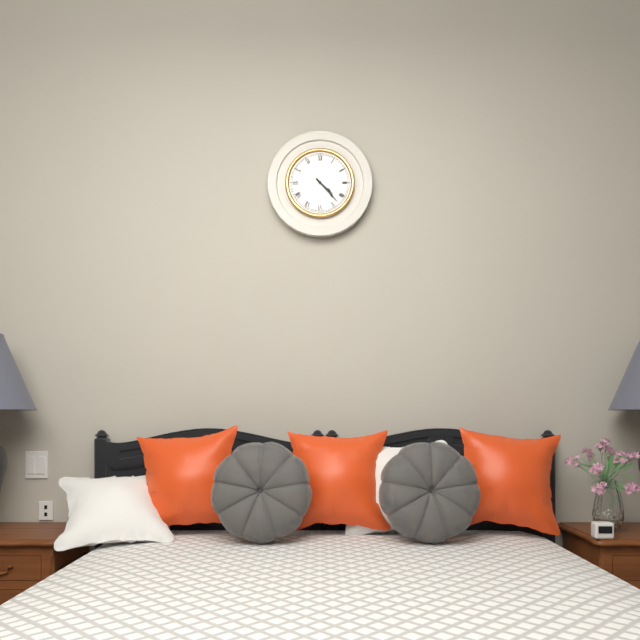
4:23
